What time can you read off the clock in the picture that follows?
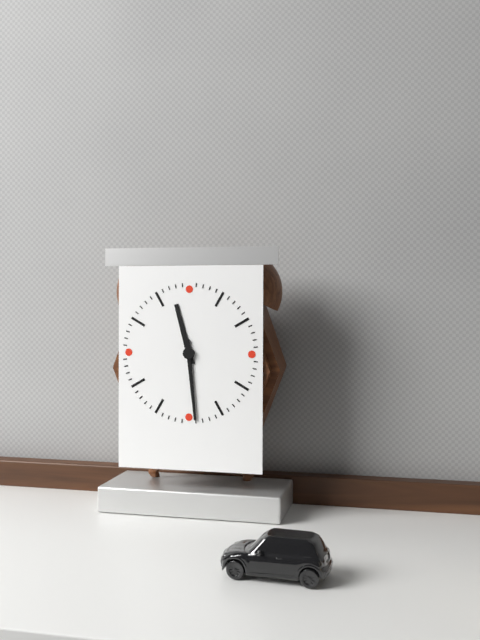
11:29
